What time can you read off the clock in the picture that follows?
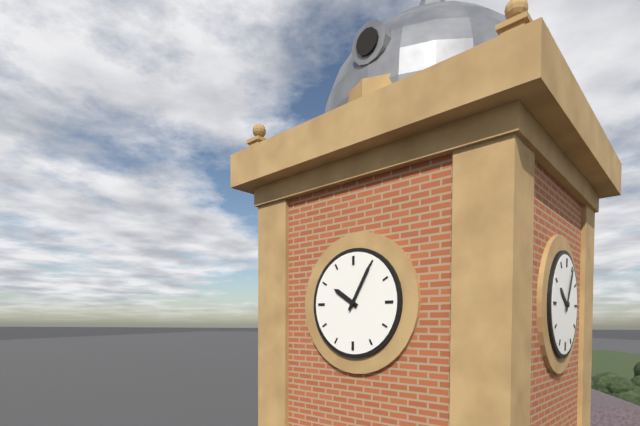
10:05
